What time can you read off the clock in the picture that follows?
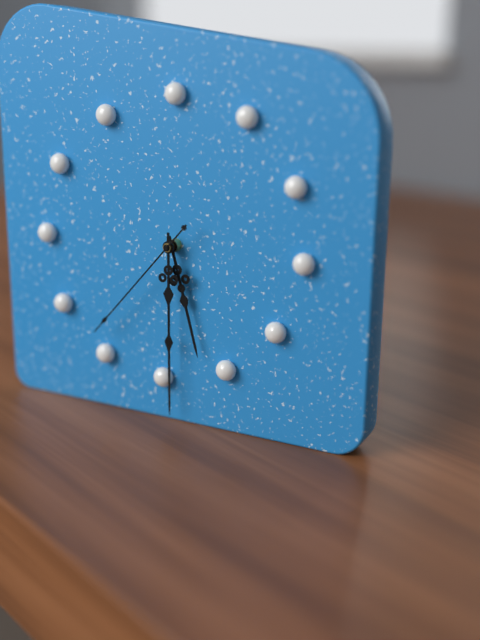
5:30:37
